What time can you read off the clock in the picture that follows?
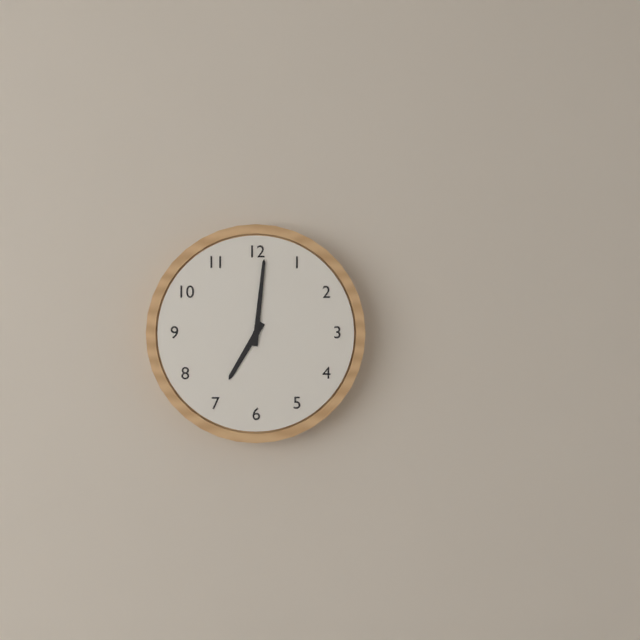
7:01
